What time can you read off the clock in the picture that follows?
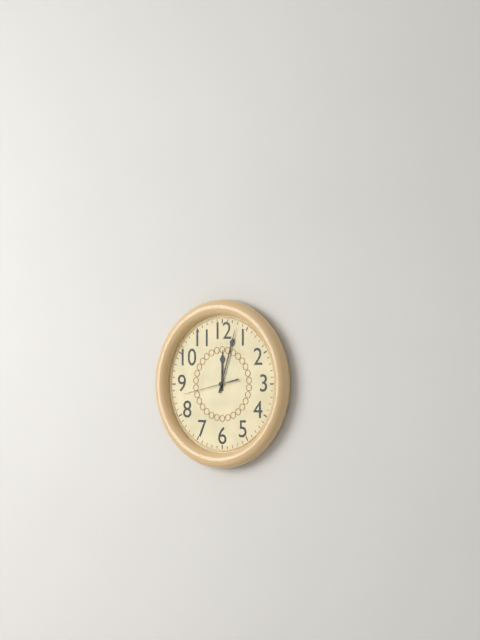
12:03:43
